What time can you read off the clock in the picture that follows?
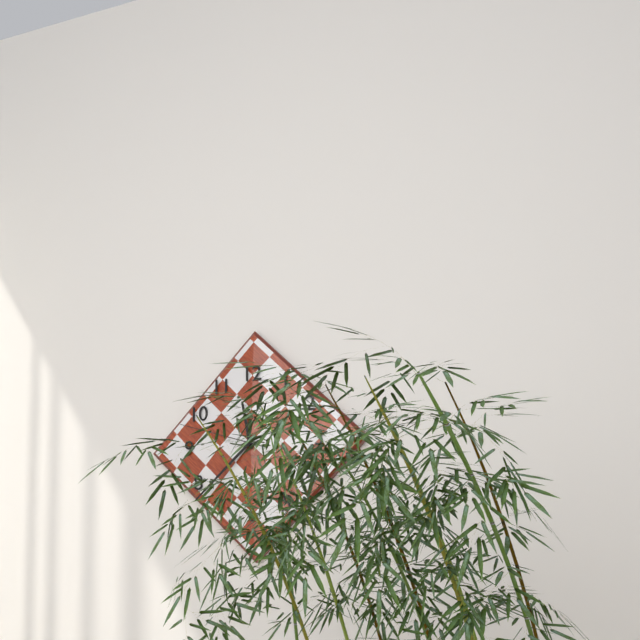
11:38:48
